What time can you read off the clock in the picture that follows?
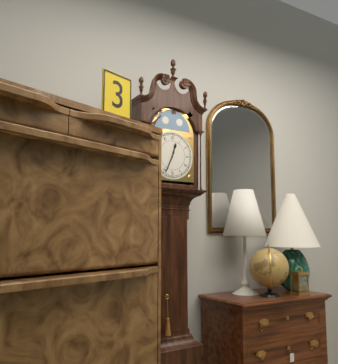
12:34
